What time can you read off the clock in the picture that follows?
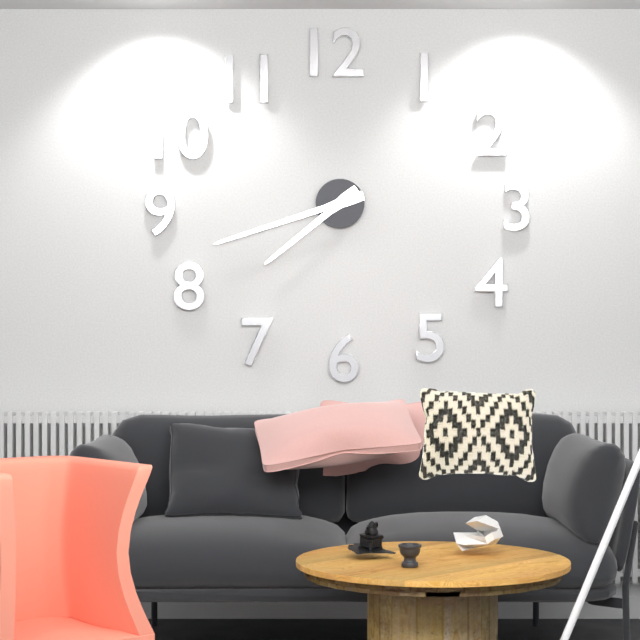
7:42
